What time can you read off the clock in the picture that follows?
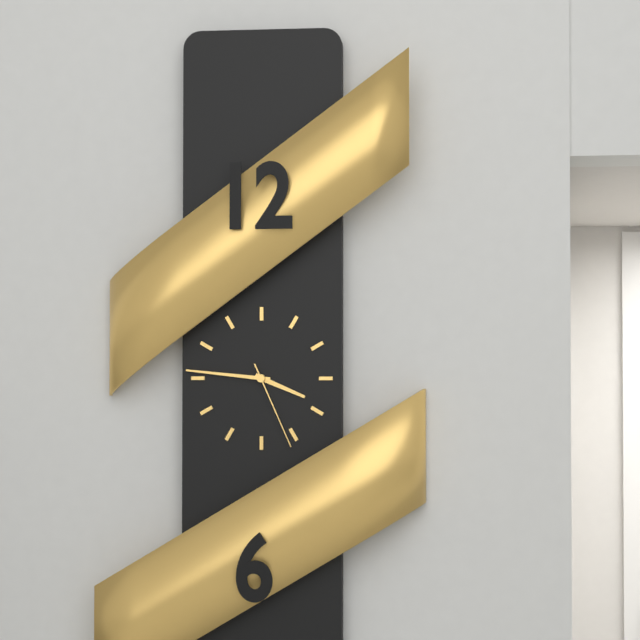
3:46:26
